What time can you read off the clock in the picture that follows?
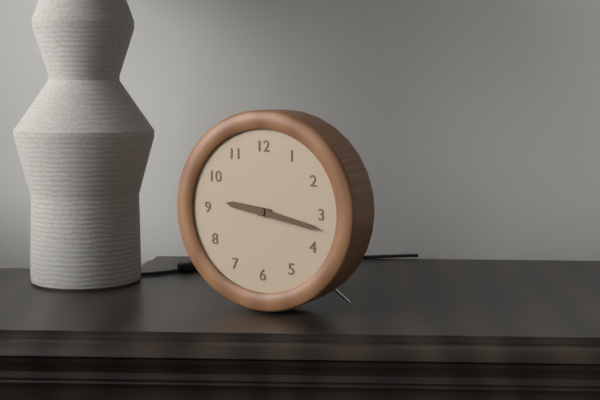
9:17
